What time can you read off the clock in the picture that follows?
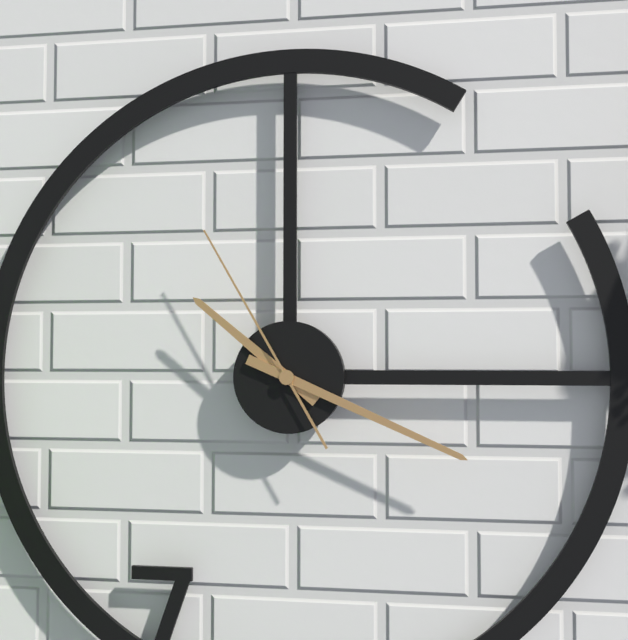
10:19:55
